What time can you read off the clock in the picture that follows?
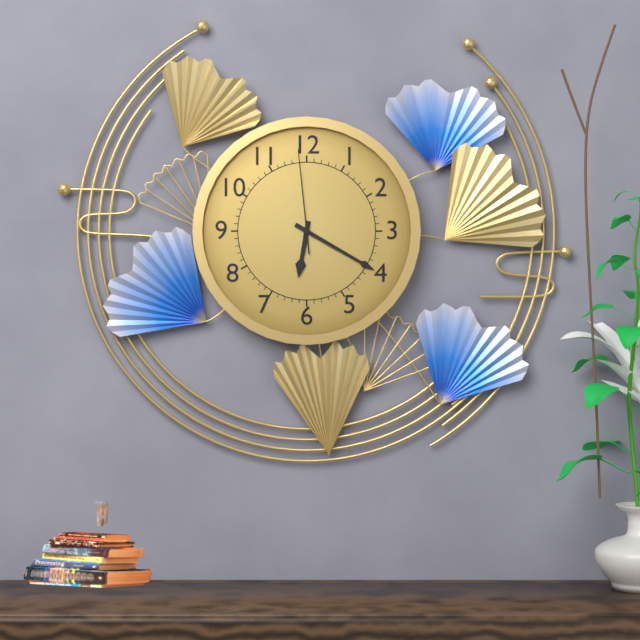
6:20:59
